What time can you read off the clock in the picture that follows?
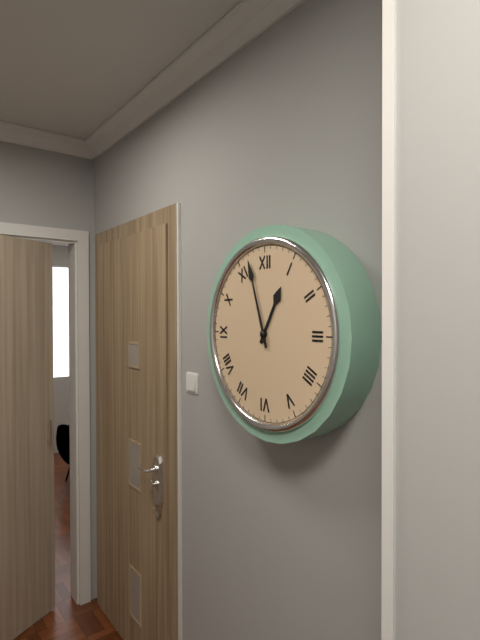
12:57
